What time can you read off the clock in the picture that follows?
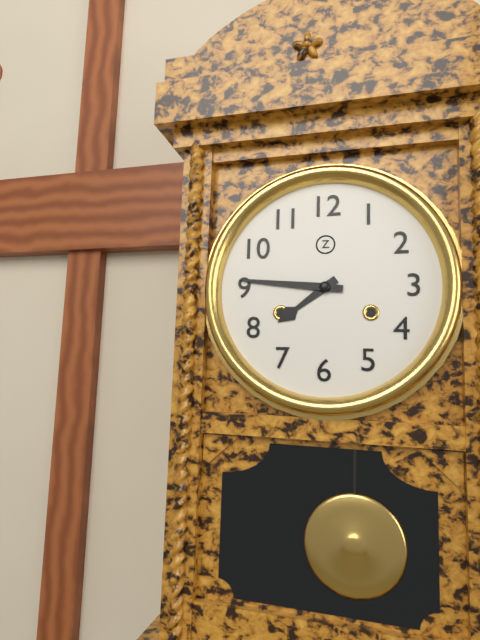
7:46
